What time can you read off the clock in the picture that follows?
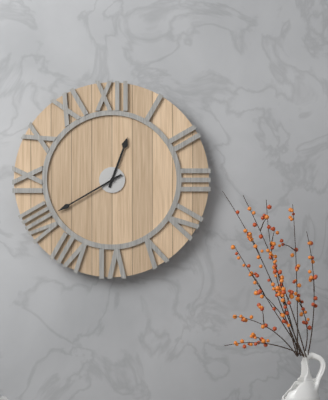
12:40
